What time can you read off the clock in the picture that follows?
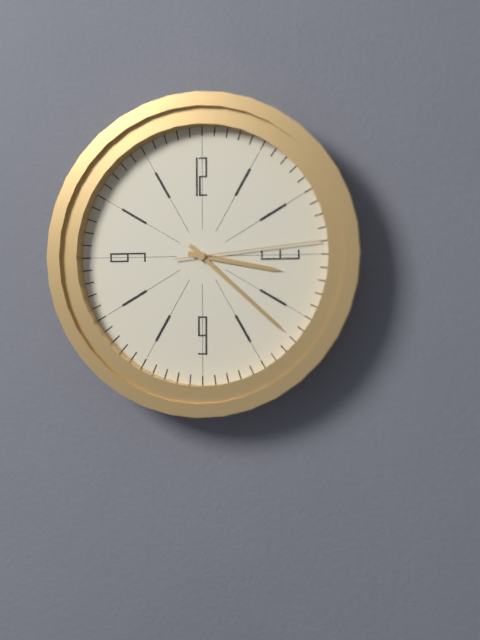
3:22:14
